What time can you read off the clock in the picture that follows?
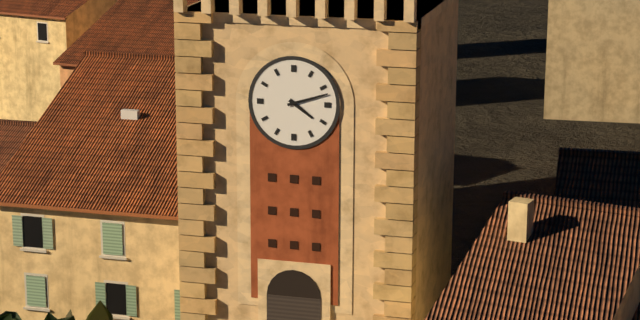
4:12
